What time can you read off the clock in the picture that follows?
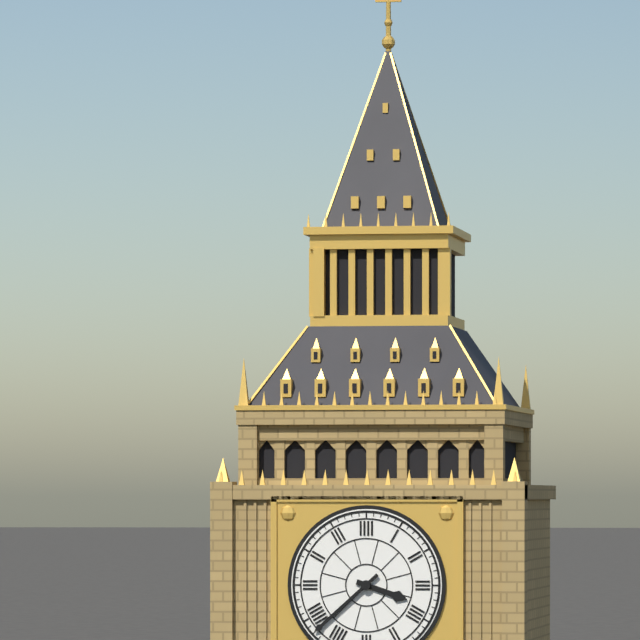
3:38
